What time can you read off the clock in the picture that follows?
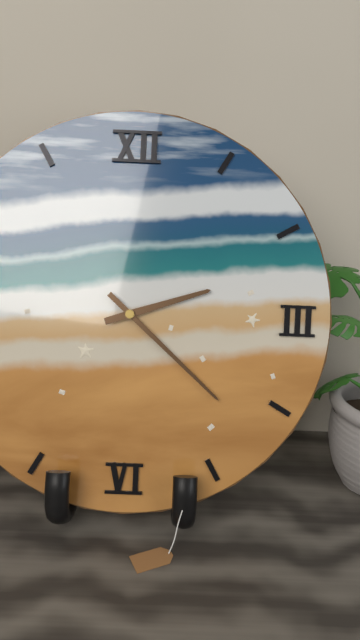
2:22
